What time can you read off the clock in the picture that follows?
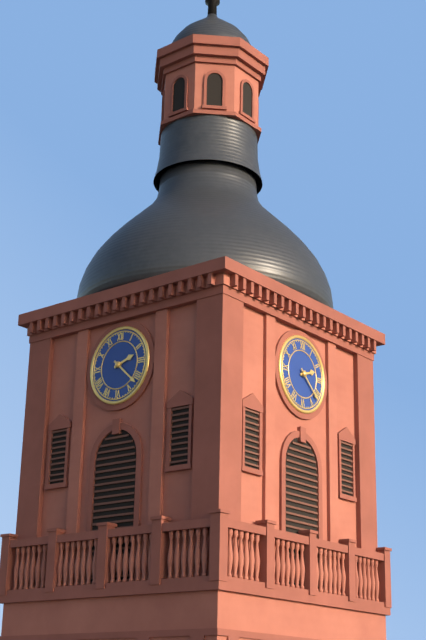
2:22
